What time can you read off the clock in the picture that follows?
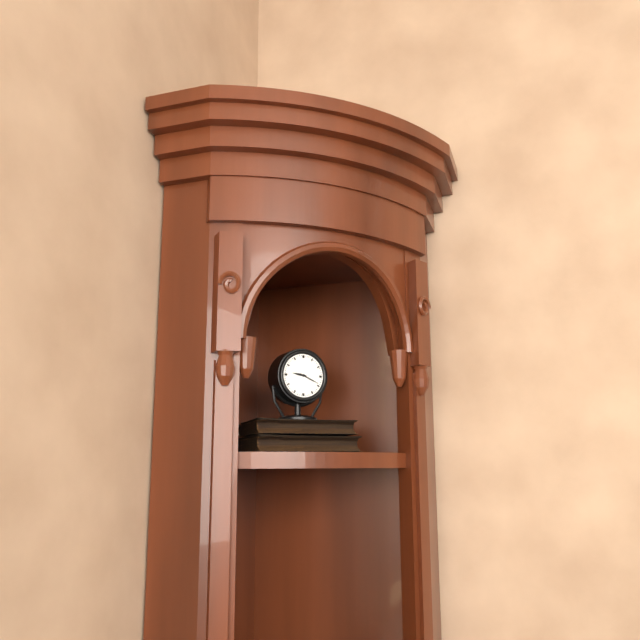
9:19
